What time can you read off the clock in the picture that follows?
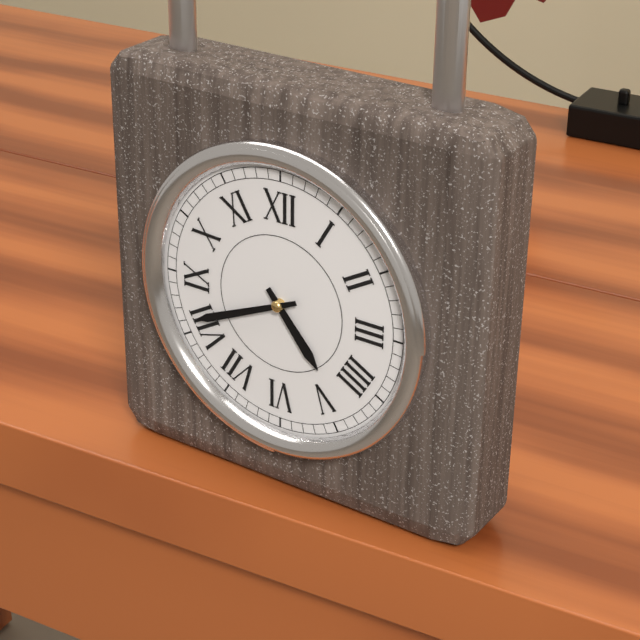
4:41
